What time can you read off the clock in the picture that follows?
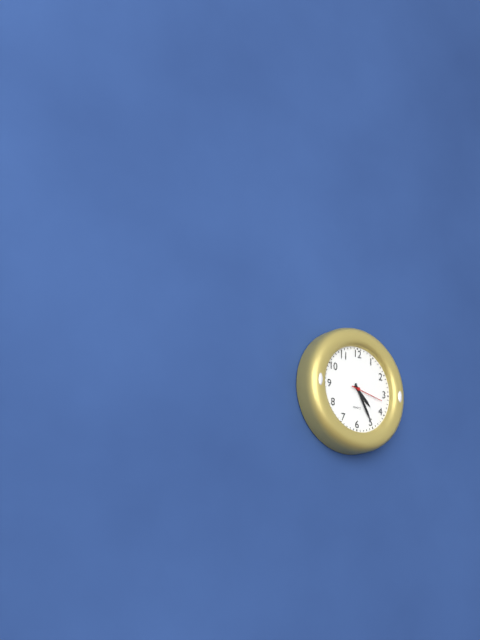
4:25
